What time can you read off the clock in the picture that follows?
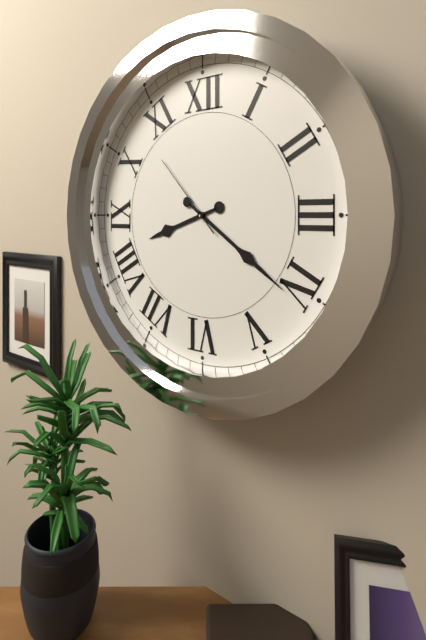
8:21:53
